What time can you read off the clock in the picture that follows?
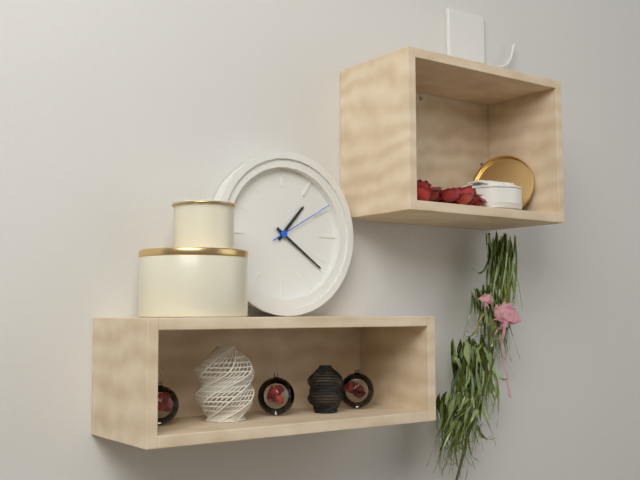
1:21:10
